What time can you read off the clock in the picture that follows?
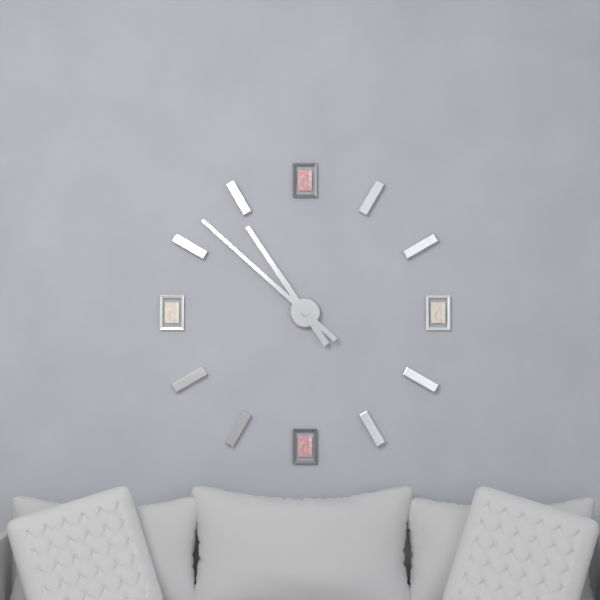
10:52
